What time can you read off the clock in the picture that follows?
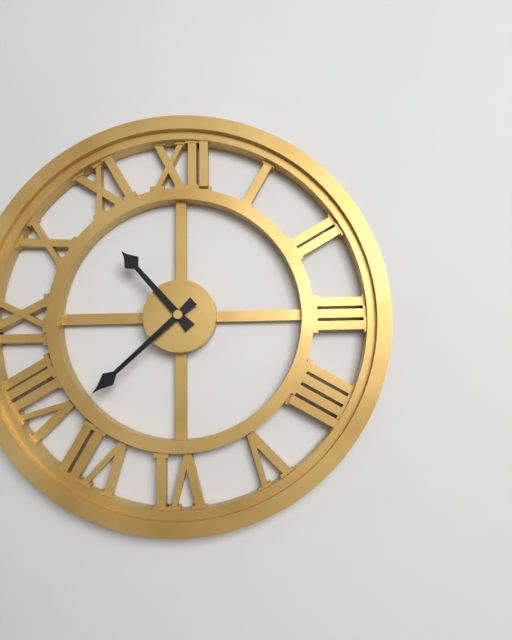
10:38
